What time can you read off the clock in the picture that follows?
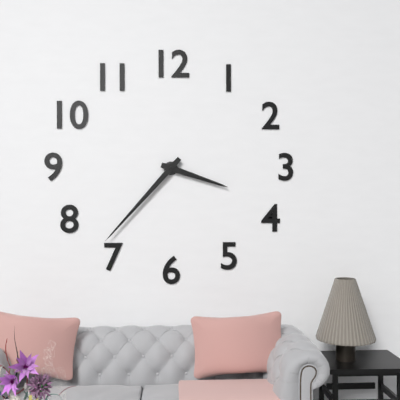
3:37
